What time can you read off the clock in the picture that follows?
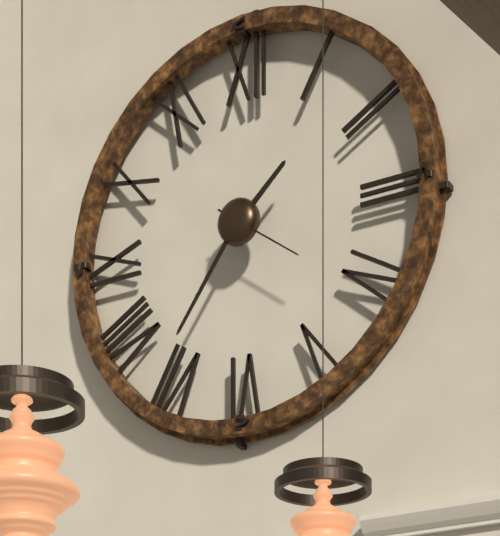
1:36:21
